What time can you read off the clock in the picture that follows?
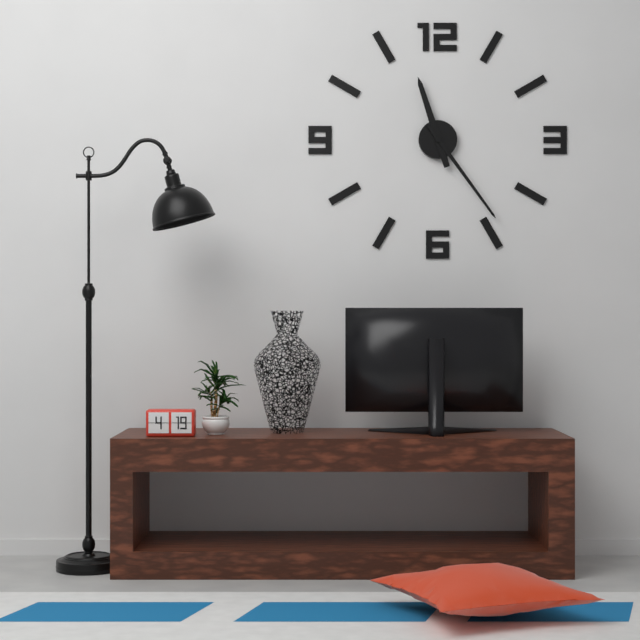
11:24
